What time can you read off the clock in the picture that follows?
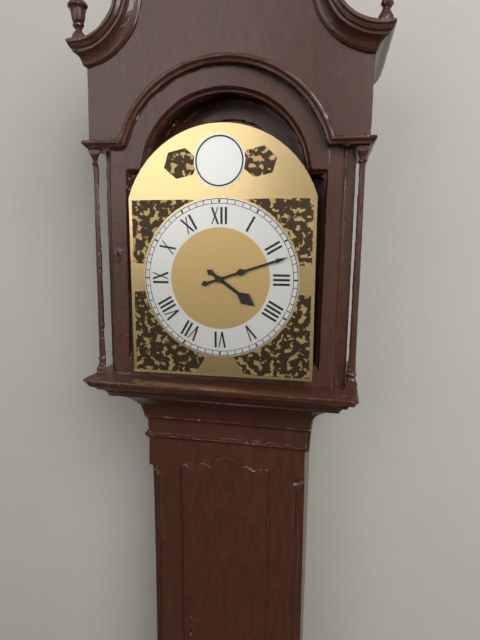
4:12
